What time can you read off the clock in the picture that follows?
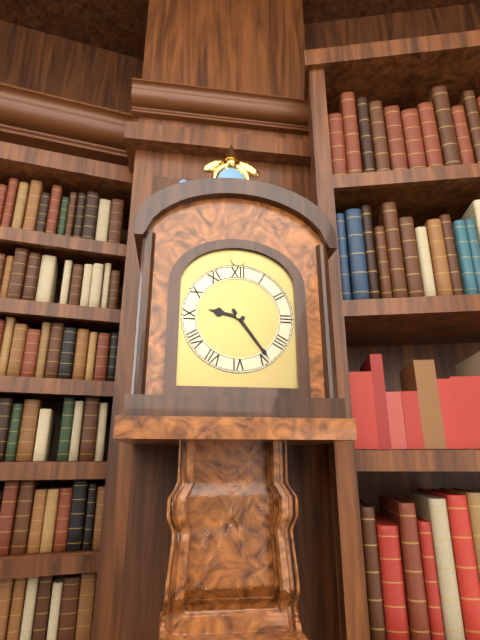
9:24
